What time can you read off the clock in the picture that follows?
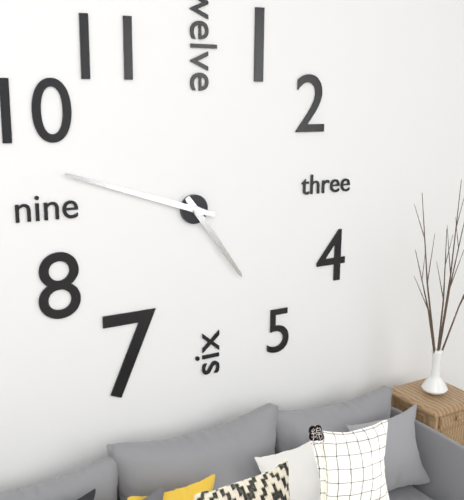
4:48
